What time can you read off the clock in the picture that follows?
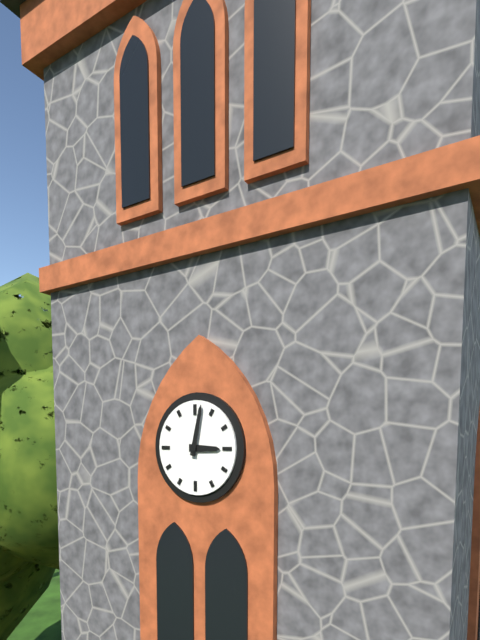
3:02
